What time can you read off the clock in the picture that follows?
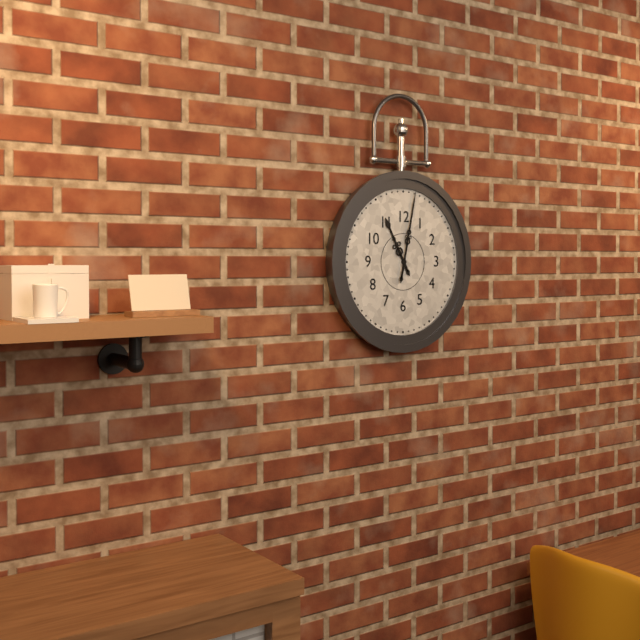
11:02
